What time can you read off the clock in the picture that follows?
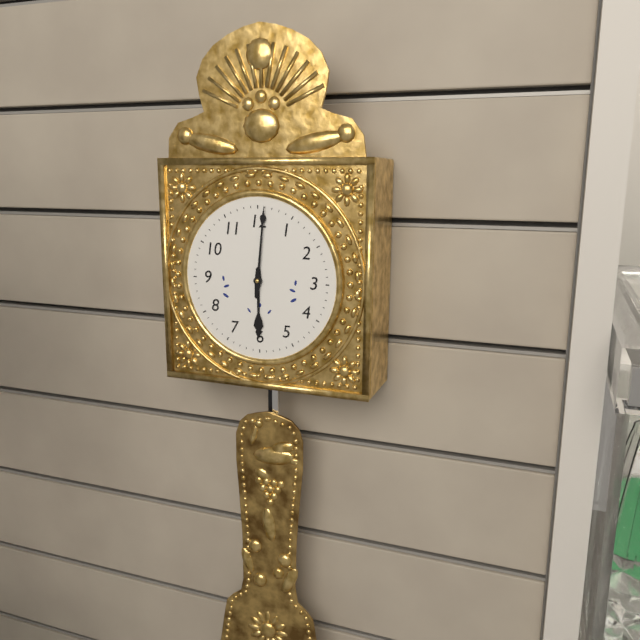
6:01
